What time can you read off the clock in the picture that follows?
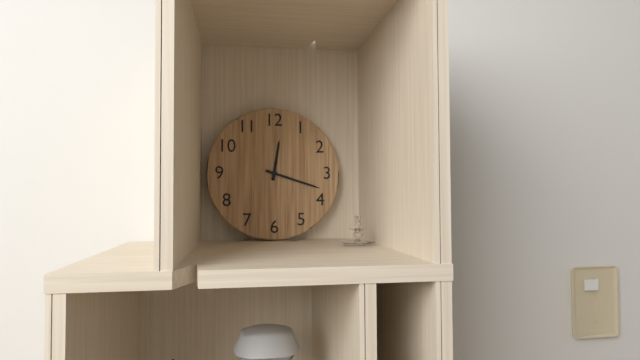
12:18
